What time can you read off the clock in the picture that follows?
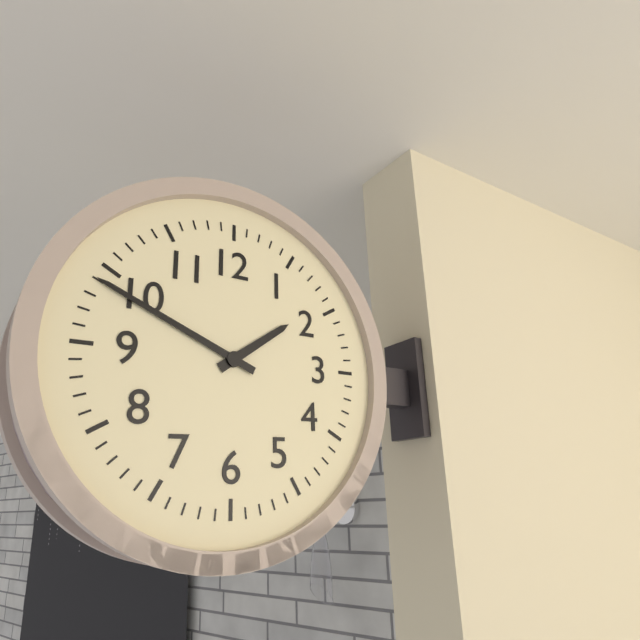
1:49
